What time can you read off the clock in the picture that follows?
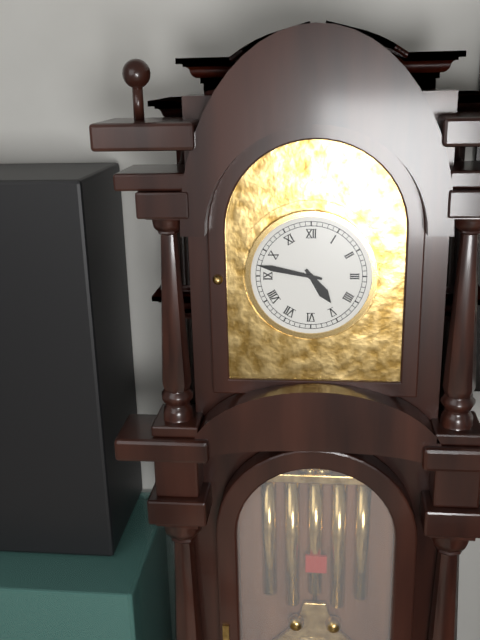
4:47
